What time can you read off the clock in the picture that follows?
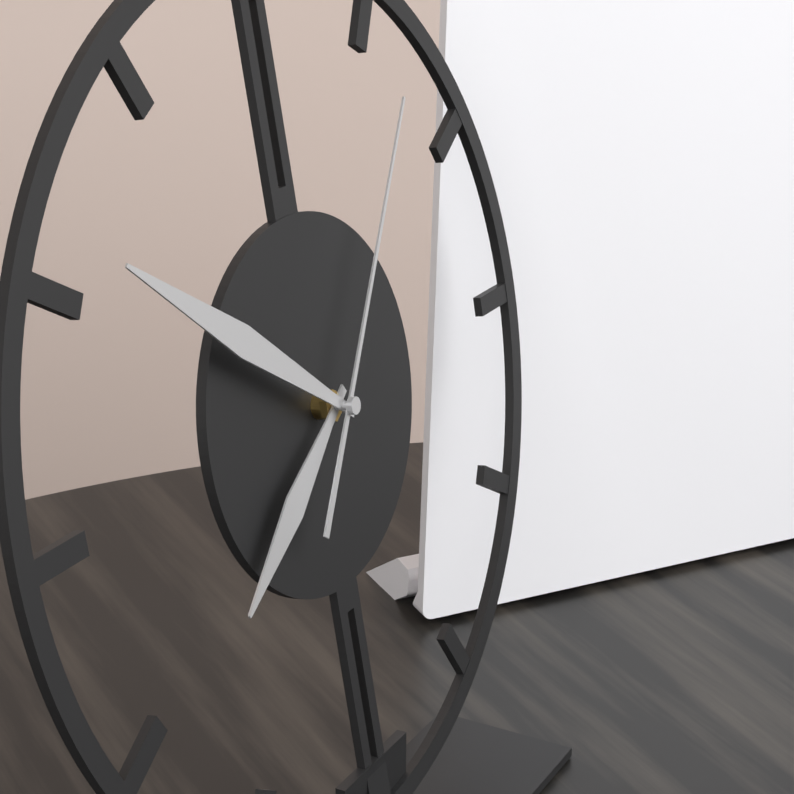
7:51:06
